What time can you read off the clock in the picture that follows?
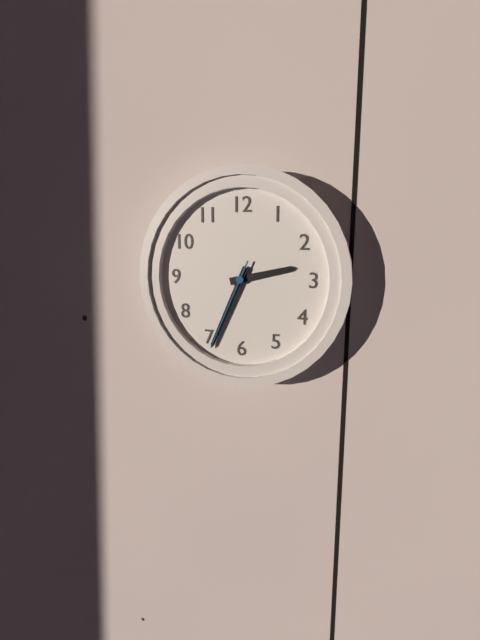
2:34:34
